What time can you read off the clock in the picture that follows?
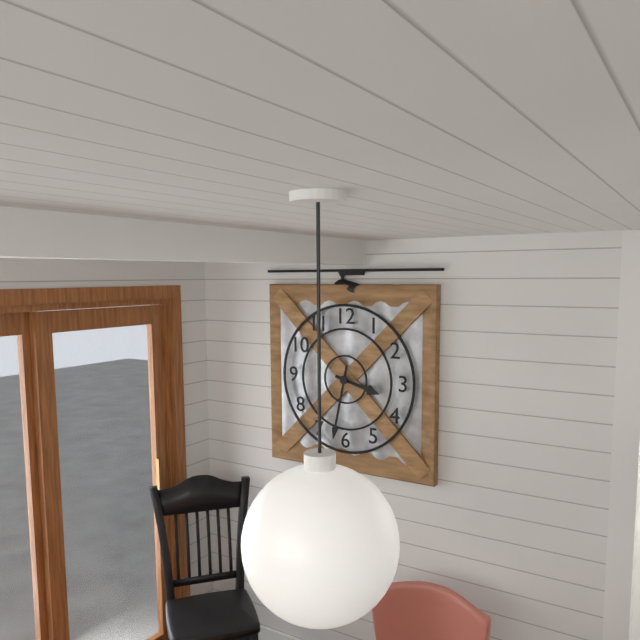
3:32
